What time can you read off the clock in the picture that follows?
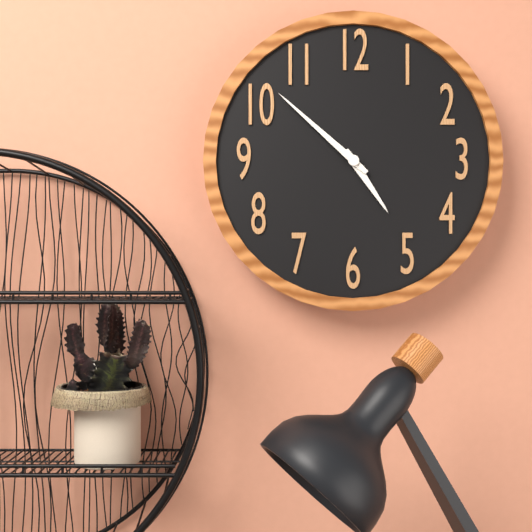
4:52
